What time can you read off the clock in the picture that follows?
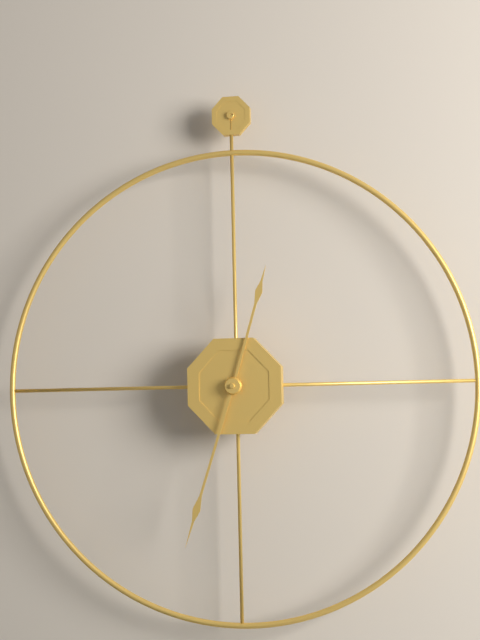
12:33
